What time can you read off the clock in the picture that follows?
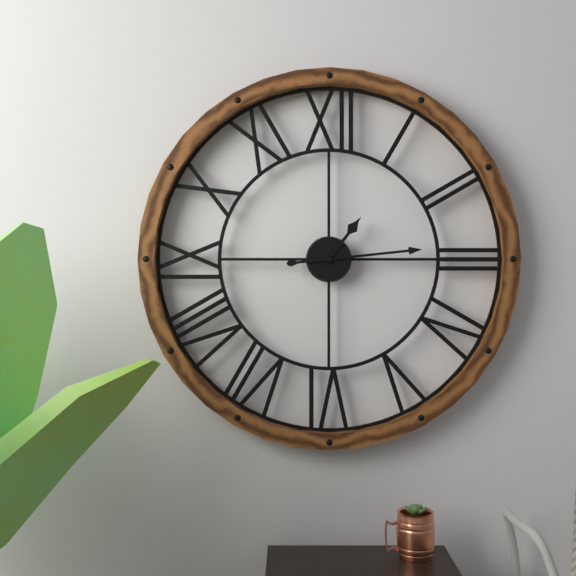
1:14
